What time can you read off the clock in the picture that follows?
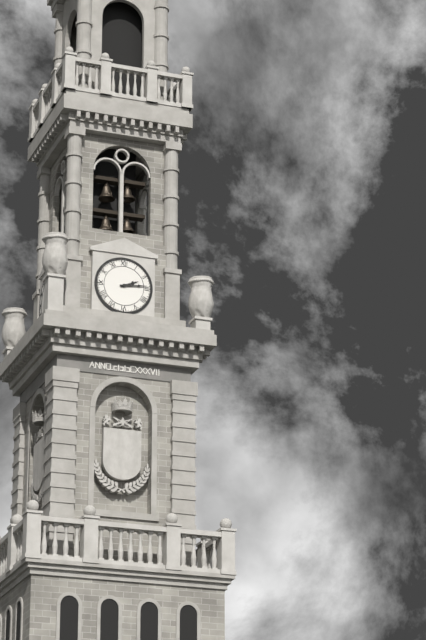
2:14
